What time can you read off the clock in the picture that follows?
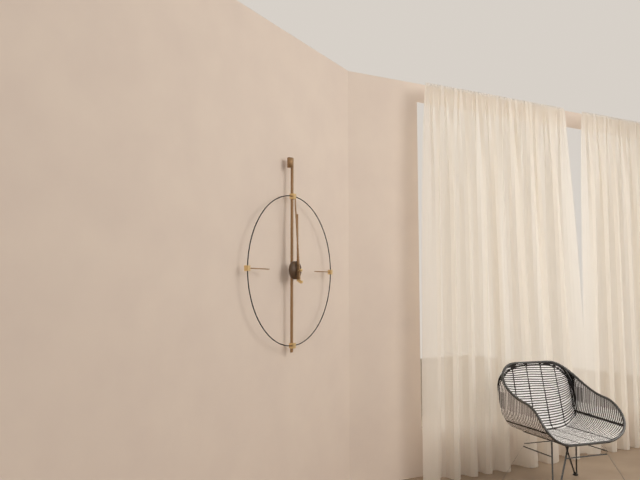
11:59
